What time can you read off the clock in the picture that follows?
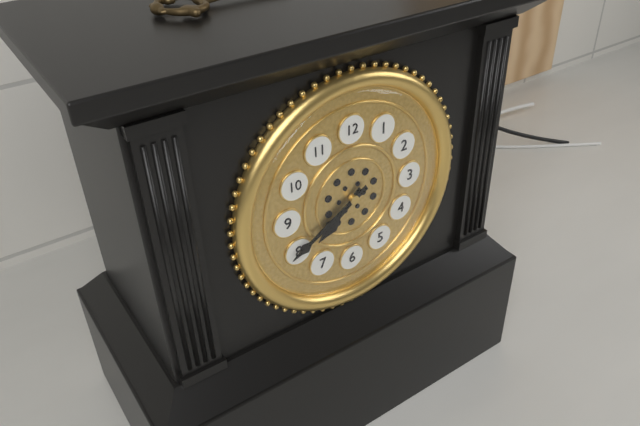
7:40
